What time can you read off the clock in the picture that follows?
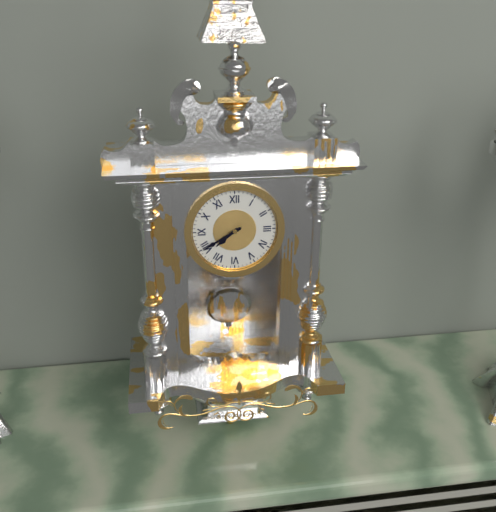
7:40
